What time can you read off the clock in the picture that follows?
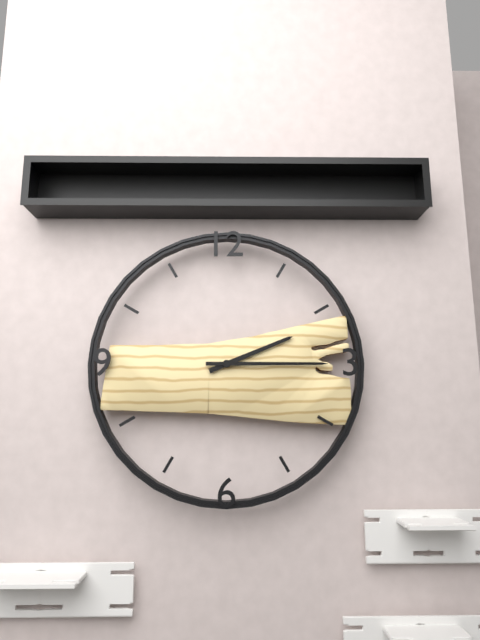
2:15
